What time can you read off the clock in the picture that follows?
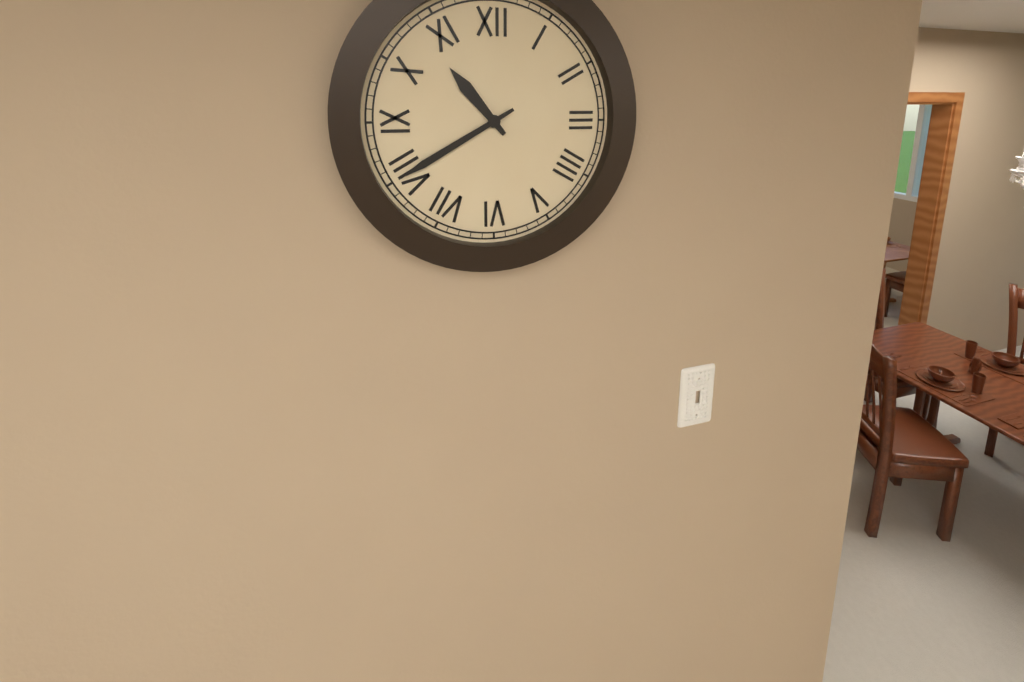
10:40
